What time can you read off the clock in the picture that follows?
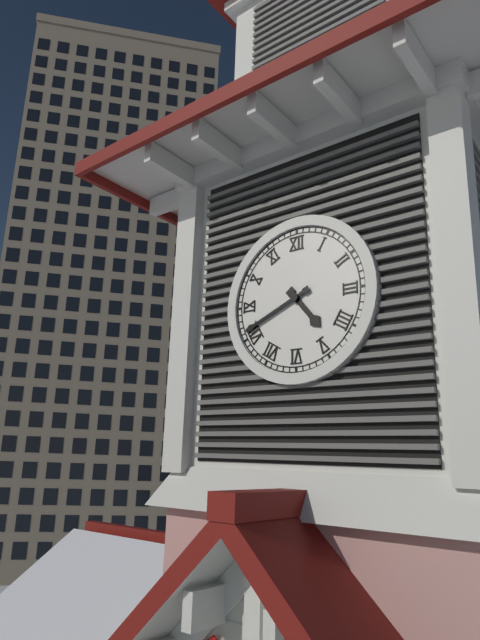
4:41
